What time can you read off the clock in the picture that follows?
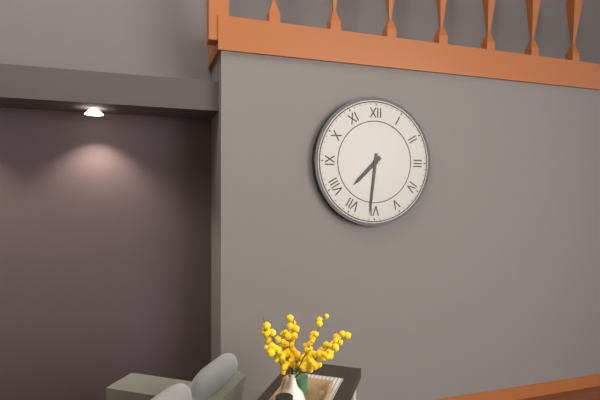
7:31
